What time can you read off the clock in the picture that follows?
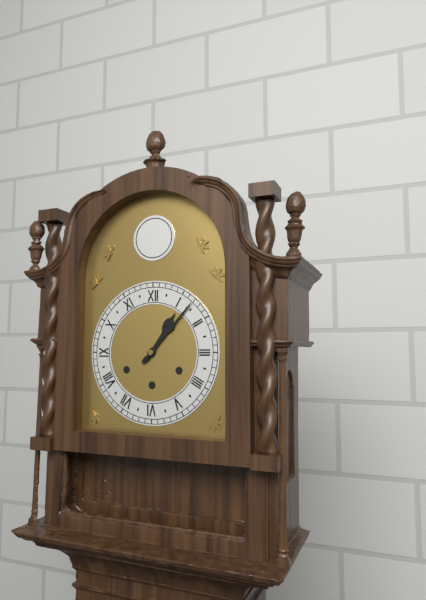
1:07
